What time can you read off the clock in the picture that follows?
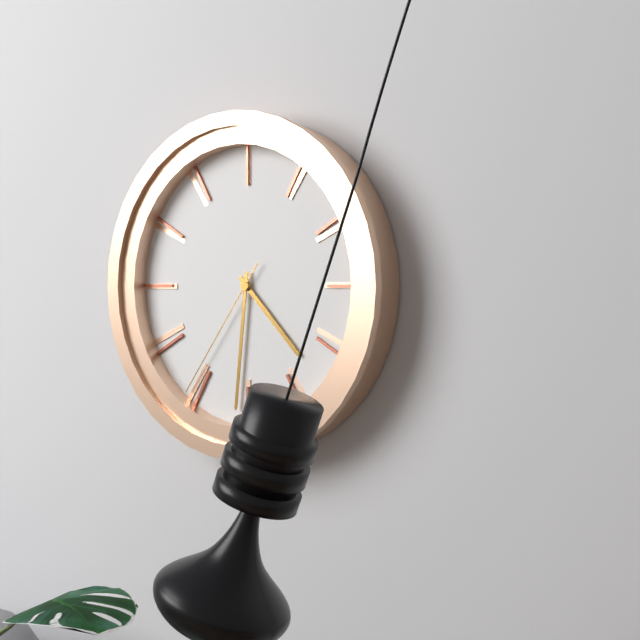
4:31:36
